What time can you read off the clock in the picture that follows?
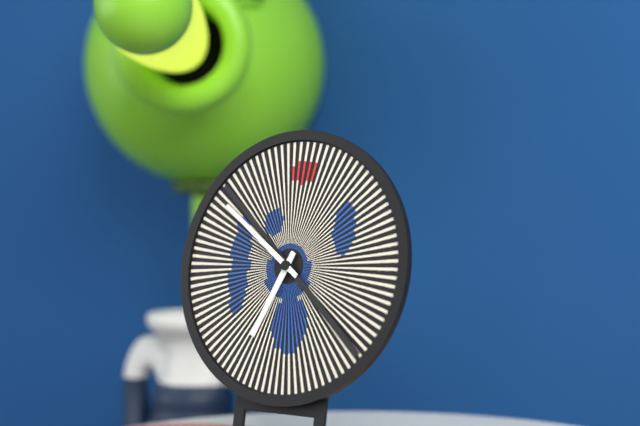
6:51
